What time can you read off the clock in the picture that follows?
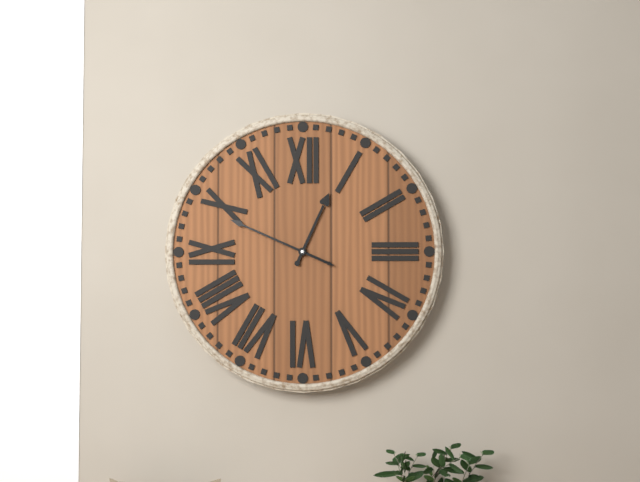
12:49
